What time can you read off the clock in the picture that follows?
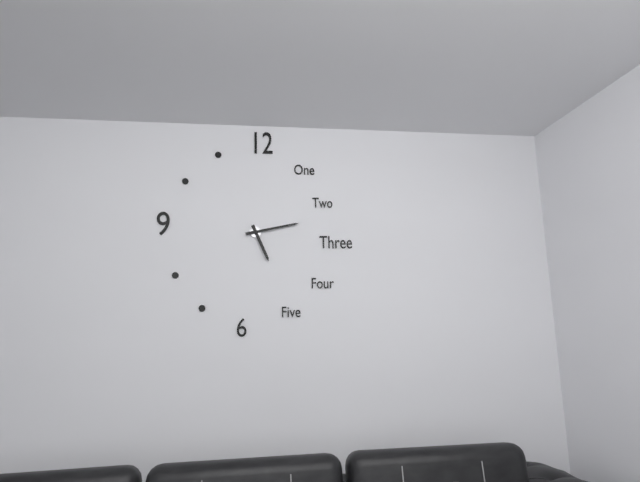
5:13
